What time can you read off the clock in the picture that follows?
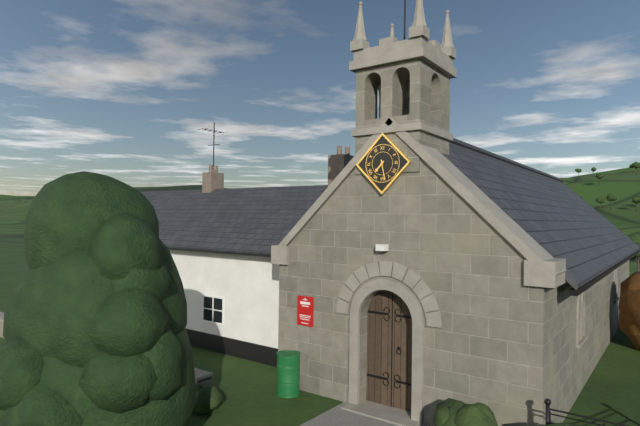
7:28
